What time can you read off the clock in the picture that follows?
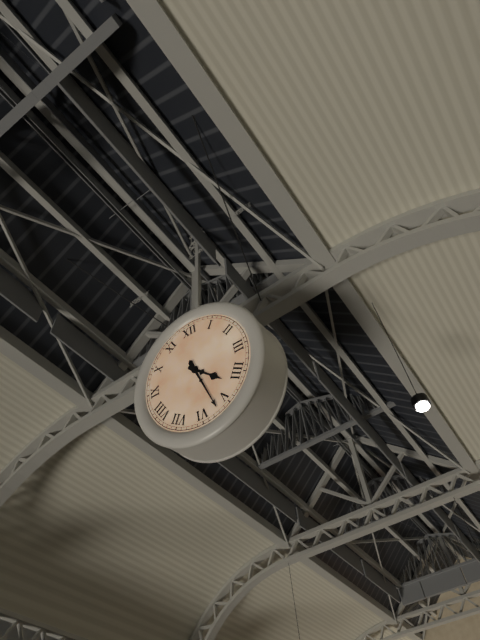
4:27
